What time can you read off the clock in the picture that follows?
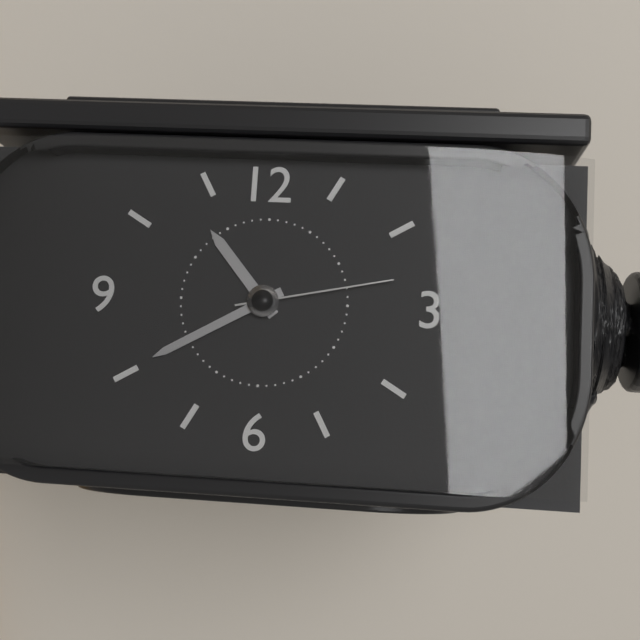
10:40:13
